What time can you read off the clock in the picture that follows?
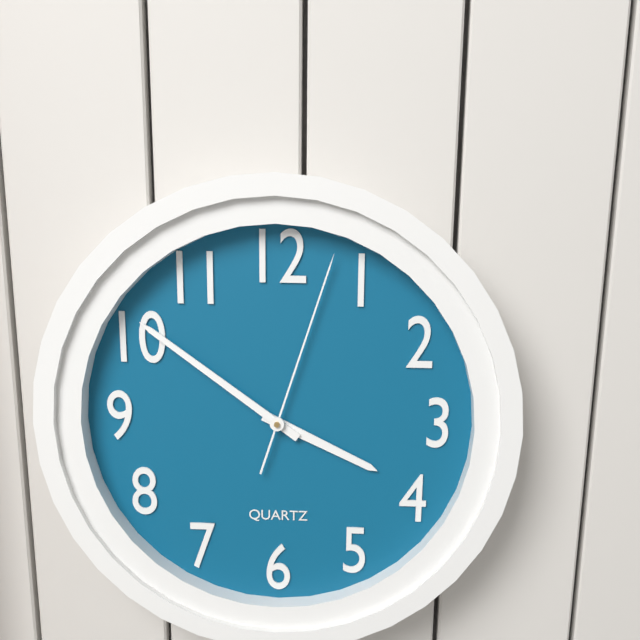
3:51:03
